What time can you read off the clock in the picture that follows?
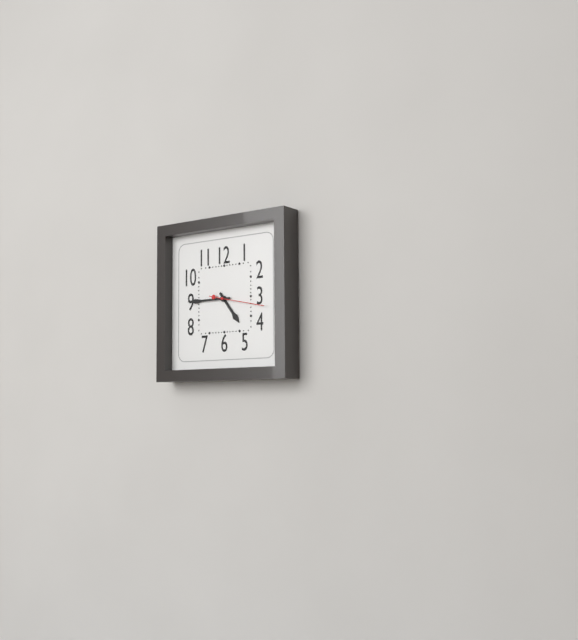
4:45:17
